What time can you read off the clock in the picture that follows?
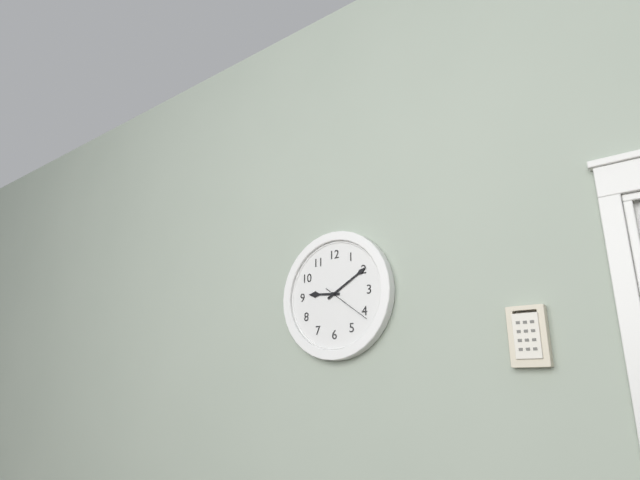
9:10:21
